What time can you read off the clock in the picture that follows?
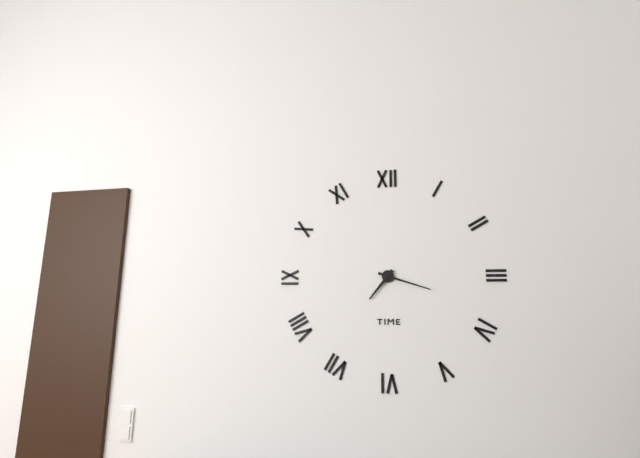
7:18
